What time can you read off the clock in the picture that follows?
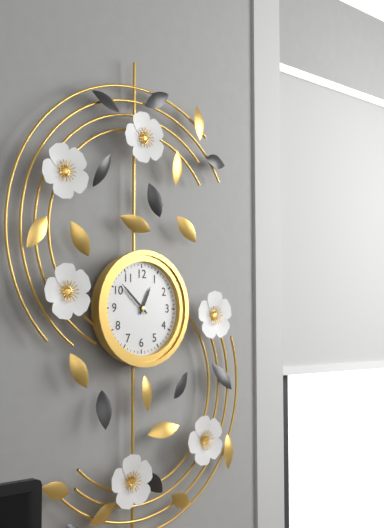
12:52
